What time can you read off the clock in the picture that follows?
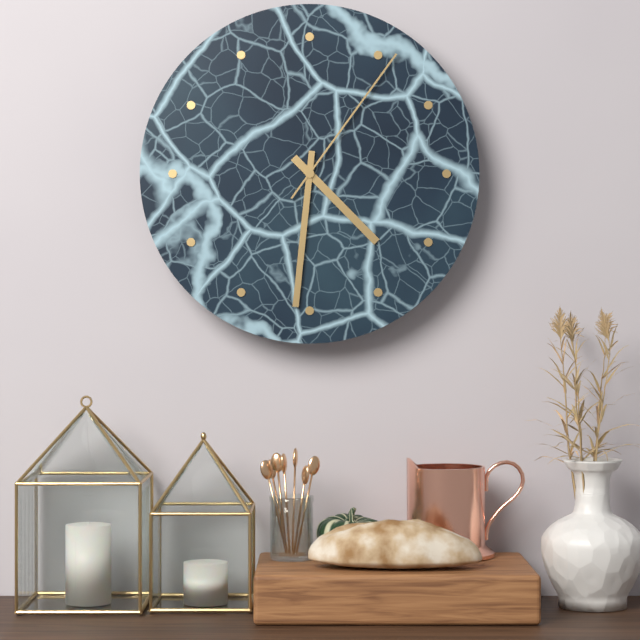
4:31:06
